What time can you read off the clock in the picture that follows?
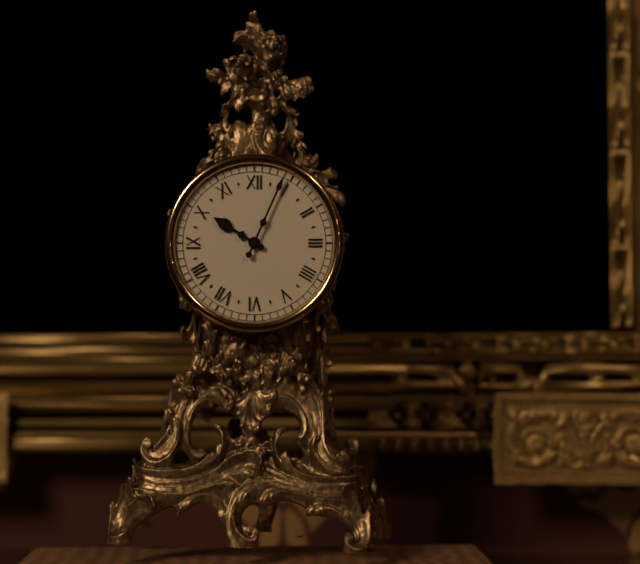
10:04
